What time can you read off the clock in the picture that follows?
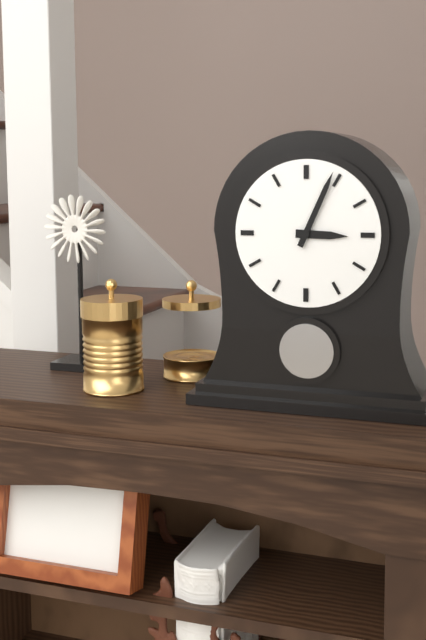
3:04
